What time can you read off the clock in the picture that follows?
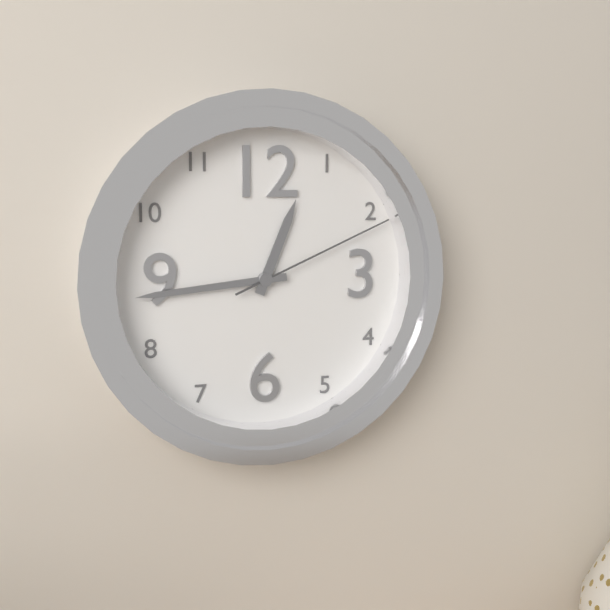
12:44:11
